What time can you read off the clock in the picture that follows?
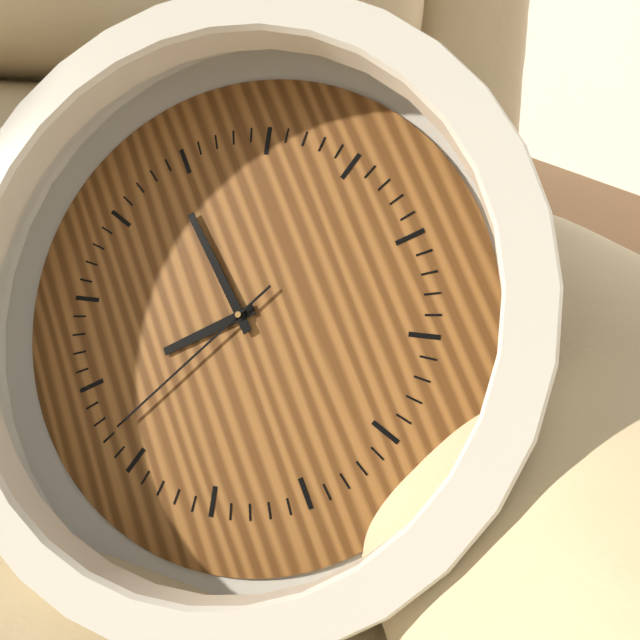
8:59:42
